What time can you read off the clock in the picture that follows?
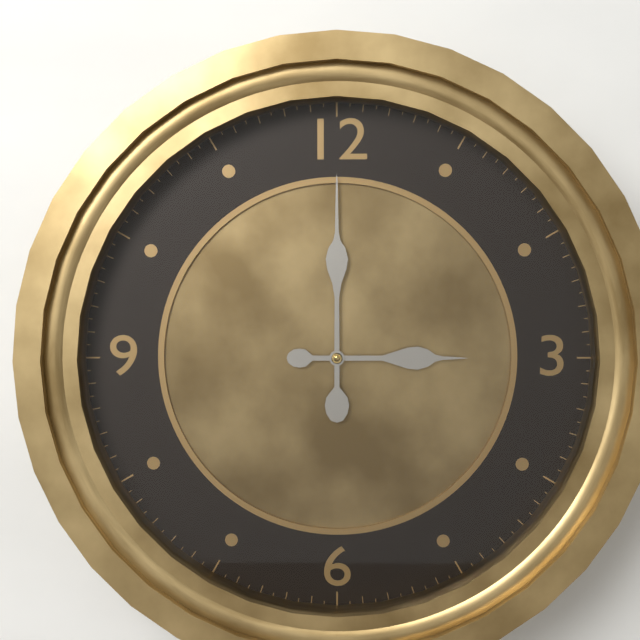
3:00
